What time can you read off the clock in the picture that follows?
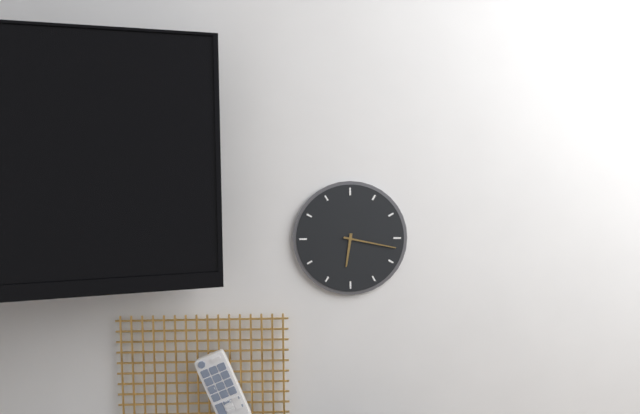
6:17
